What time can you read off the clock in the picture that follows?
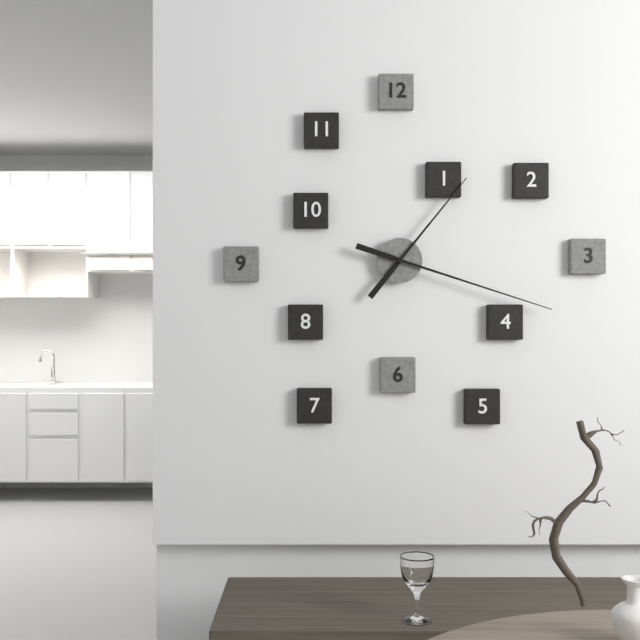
1:18
